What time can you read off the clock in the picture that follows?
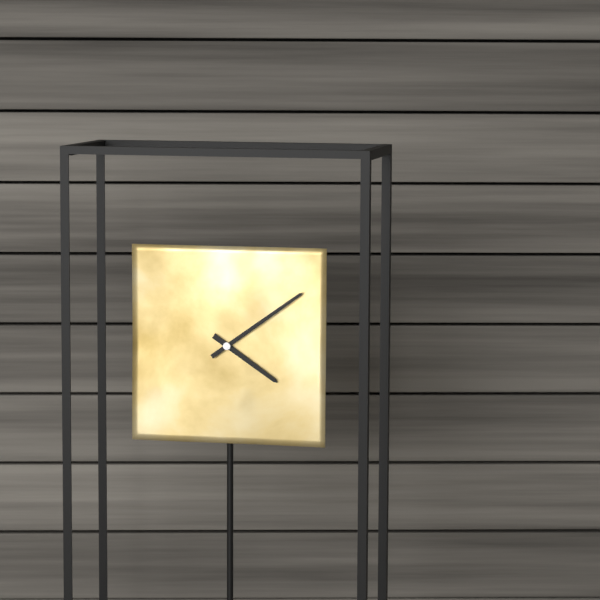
4:09
